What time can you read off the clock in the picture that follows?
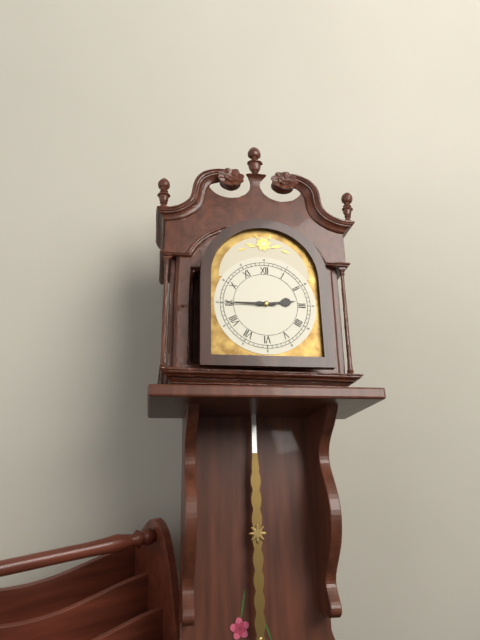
2:45
